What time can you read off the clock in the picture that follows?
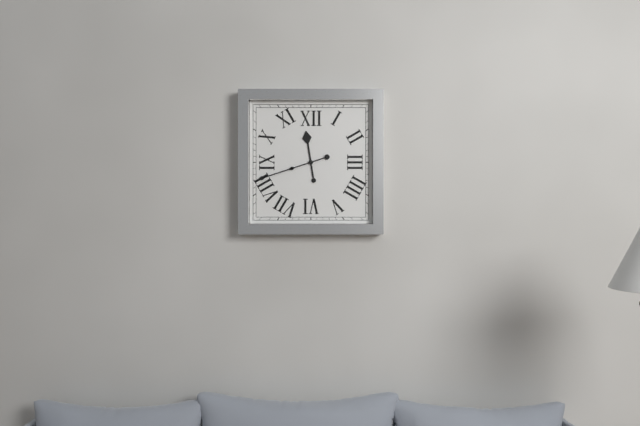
11:42
